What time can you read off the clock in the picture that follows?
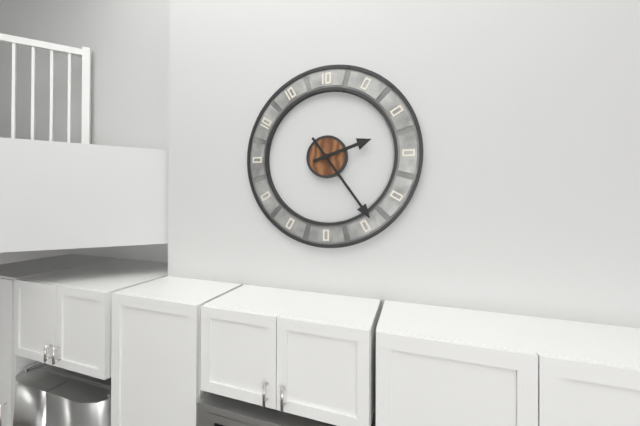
2:24
